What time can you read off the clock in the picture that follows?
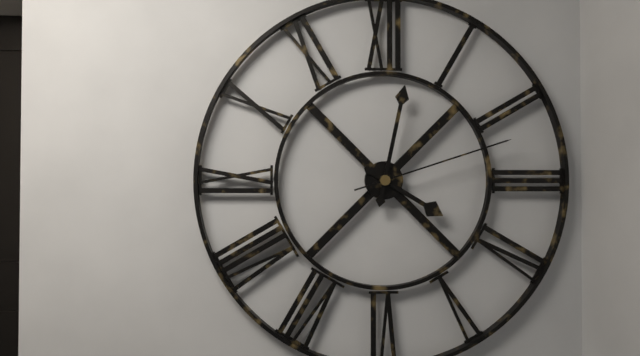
4:02:12
